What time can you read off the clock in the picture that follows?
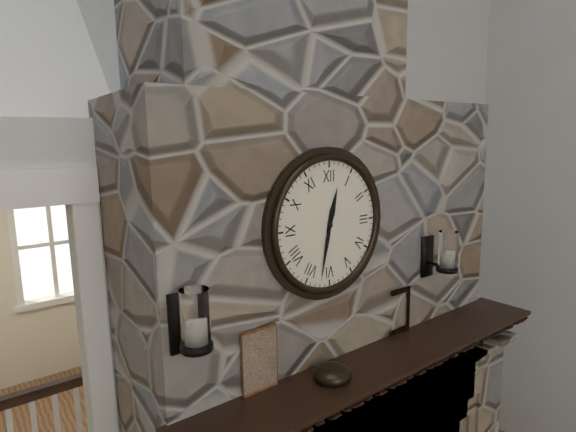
12:32
